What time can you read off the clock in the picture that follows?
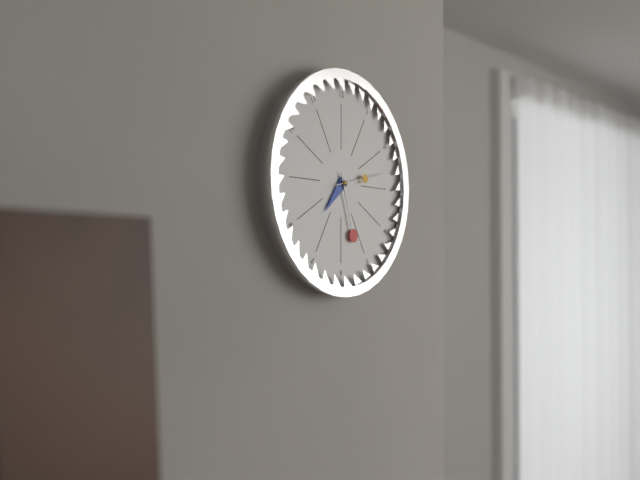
7:27:13
